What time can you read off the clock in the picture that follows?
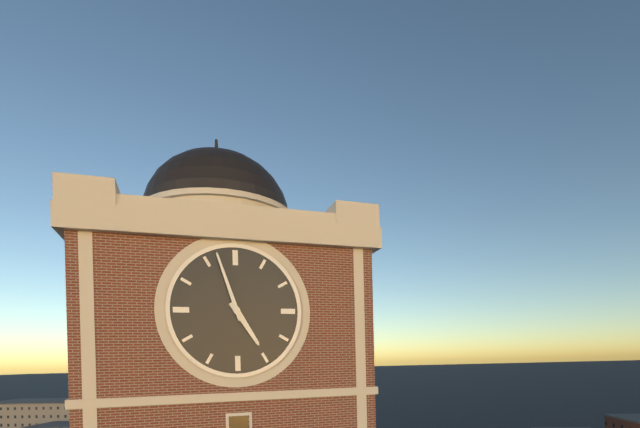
4:57
